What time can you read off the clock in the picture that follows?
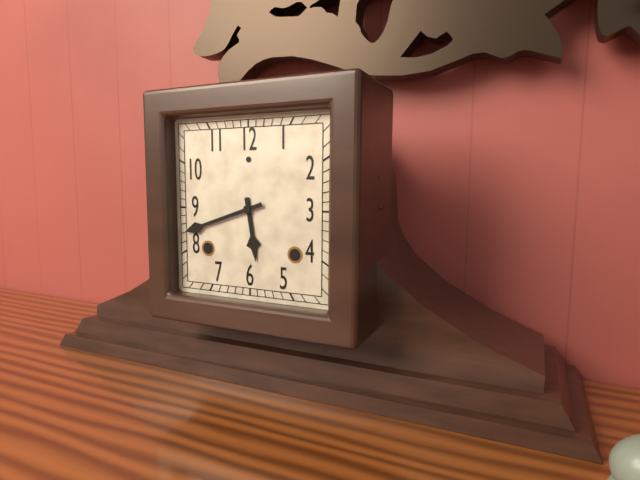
5:42
